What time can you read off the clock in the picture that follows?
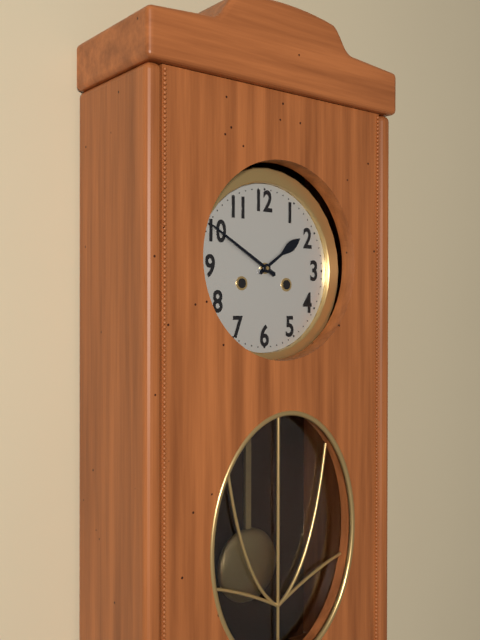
1:50
